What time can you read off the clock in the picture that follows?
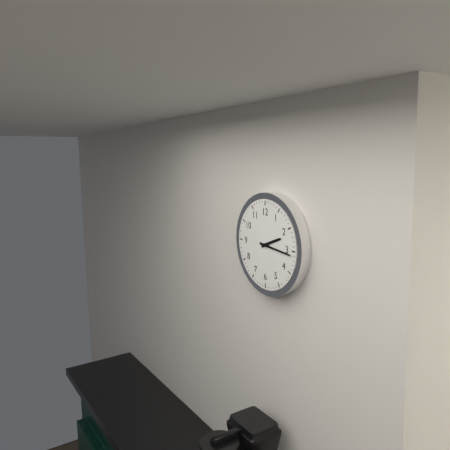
2:16
